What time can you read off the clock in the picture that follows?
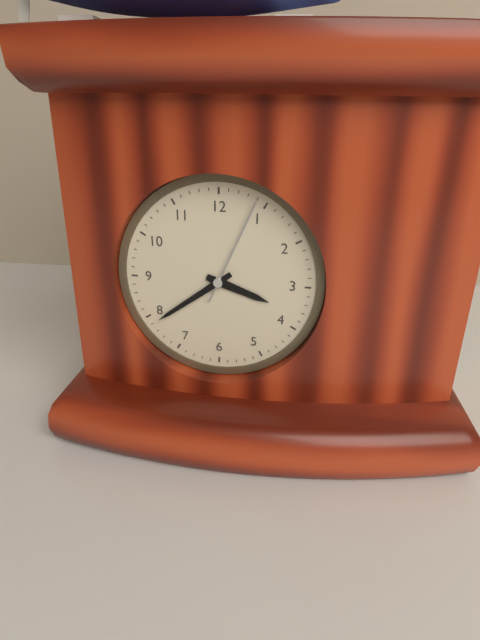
3:39:04
